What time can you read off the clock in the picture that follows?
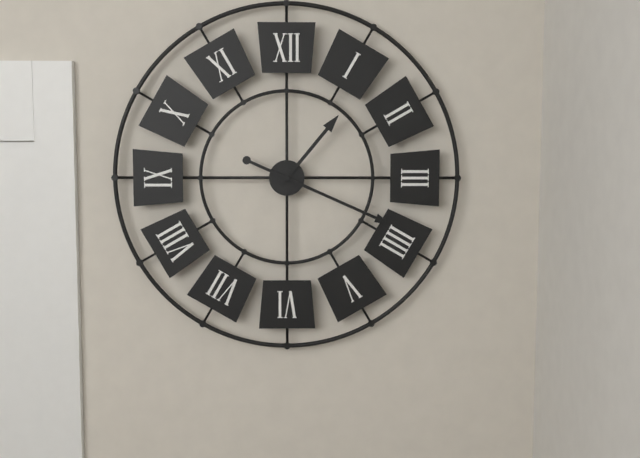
1:19
